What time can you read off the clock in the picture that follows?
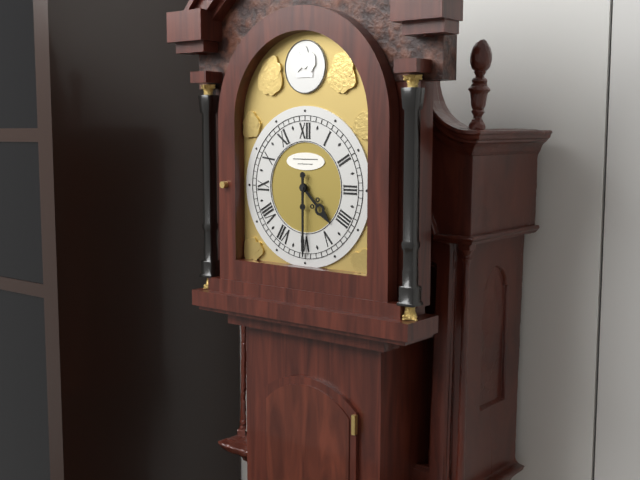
4:30
